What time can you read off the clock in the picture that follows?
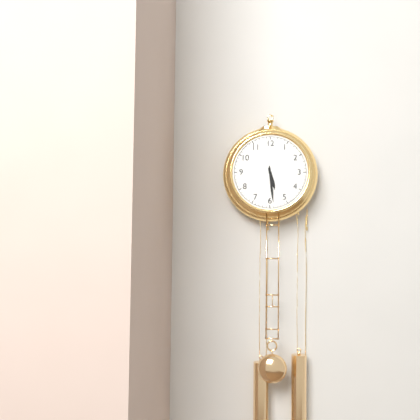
5:29
